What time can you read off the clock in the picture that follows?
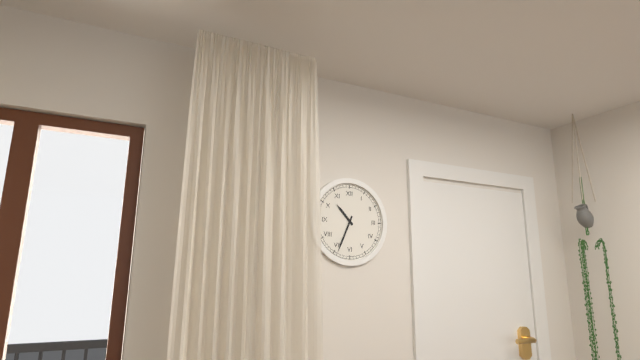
10:34
